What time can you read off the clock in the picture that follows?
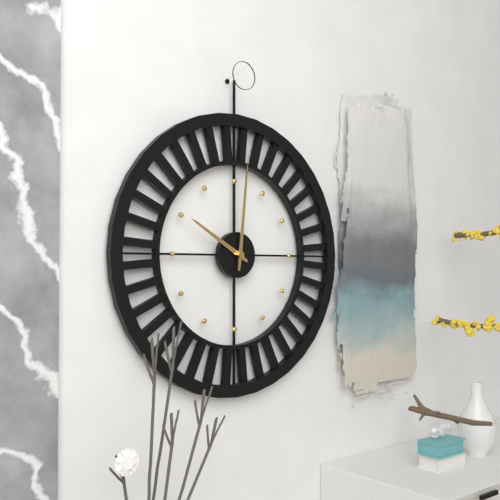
10:01
